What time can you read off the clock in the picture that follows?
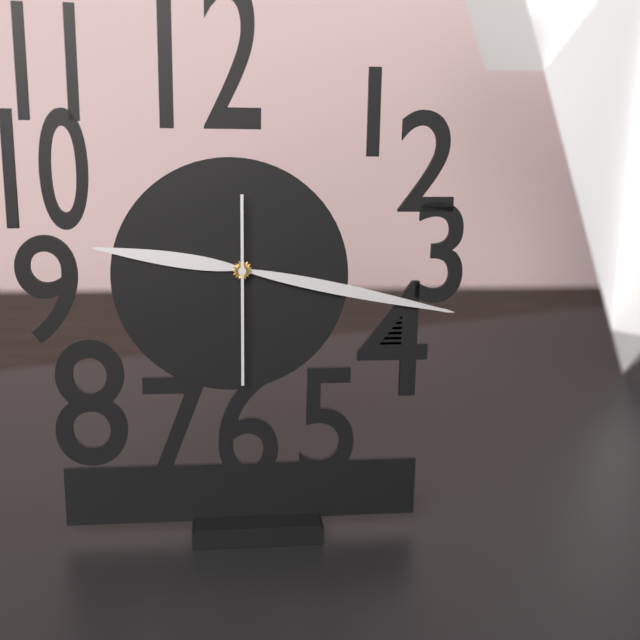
9:17:30
